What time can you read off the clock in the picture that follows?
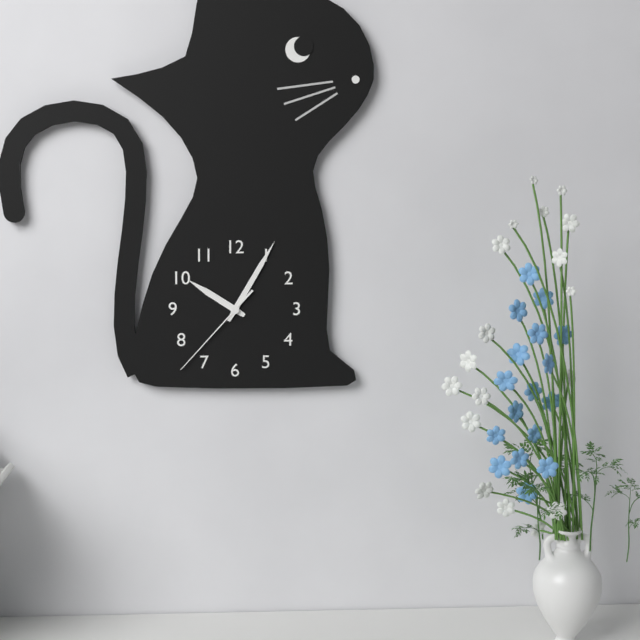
10:05:37
